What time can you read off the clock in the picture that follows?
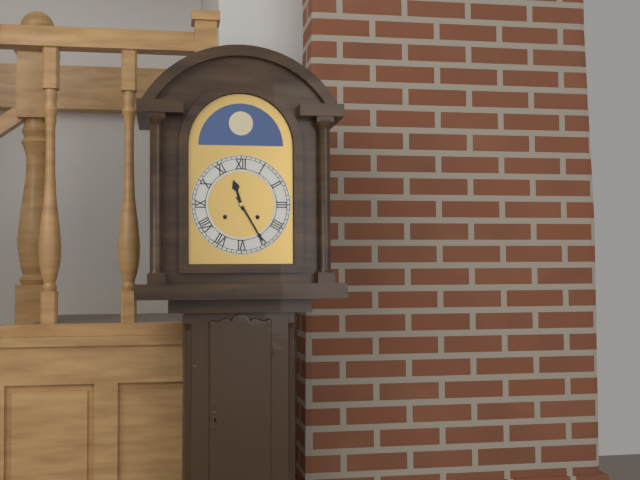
11:25
